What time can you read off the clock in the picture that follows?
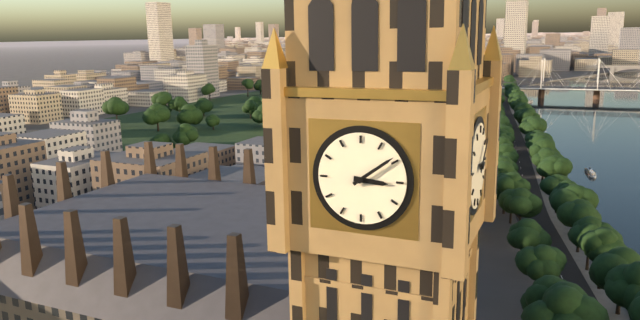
3:09
